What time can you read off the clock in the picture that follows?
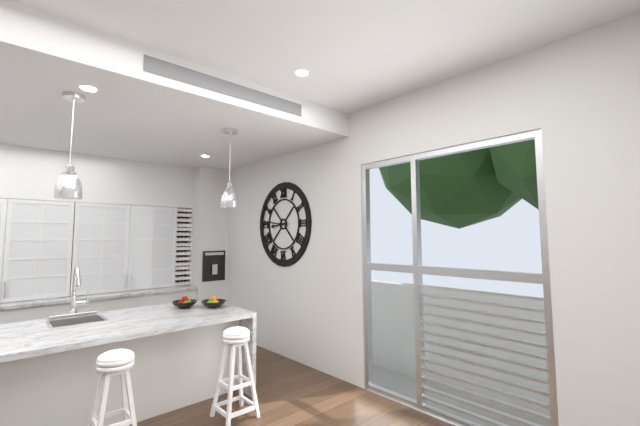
8:46
